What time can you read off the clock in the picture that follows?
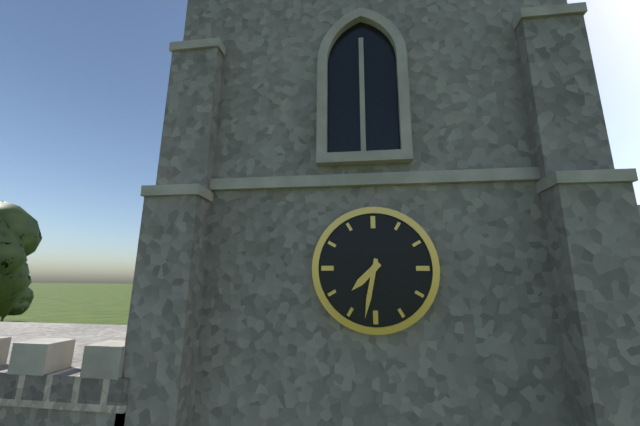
7:32
